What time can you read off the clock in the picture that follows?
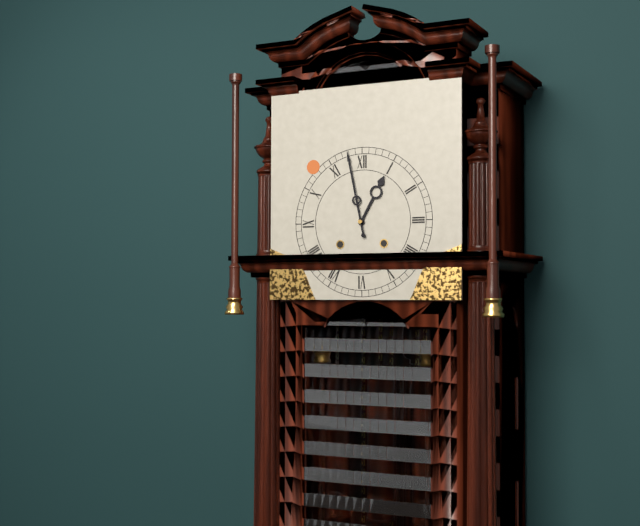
12:58
